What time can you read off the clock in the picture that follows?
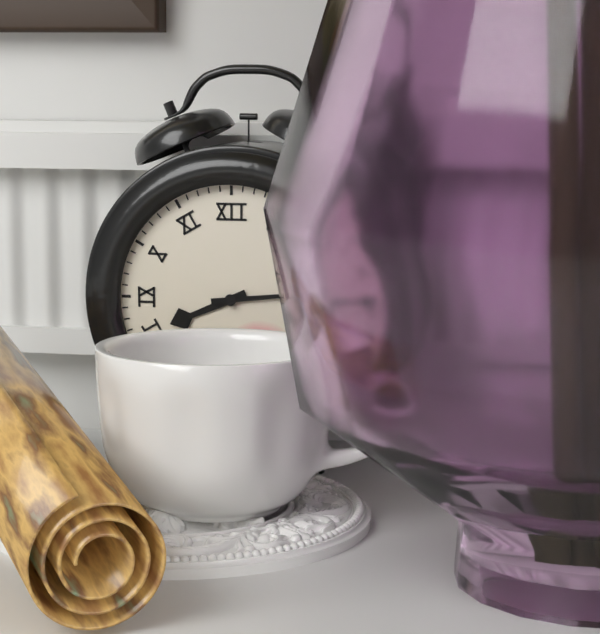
8:14
